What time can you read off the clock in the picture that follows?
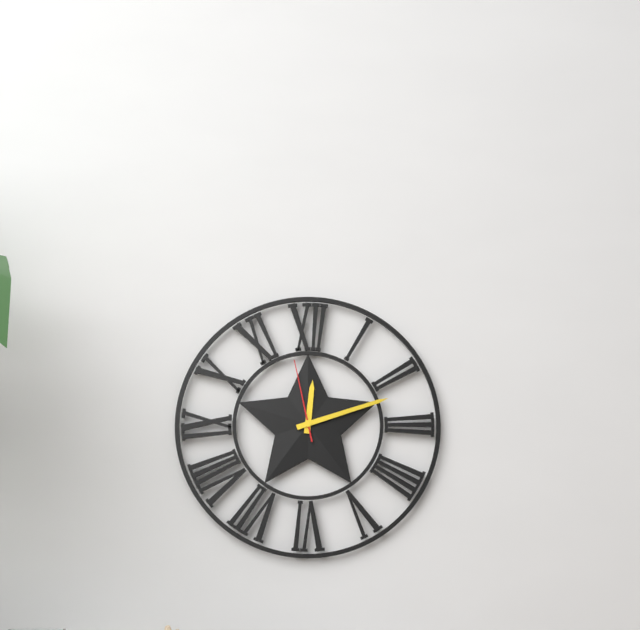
12:12:58
